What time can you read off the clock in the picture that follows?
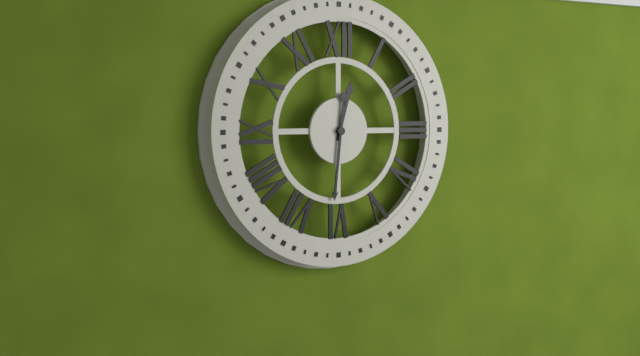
12:31
